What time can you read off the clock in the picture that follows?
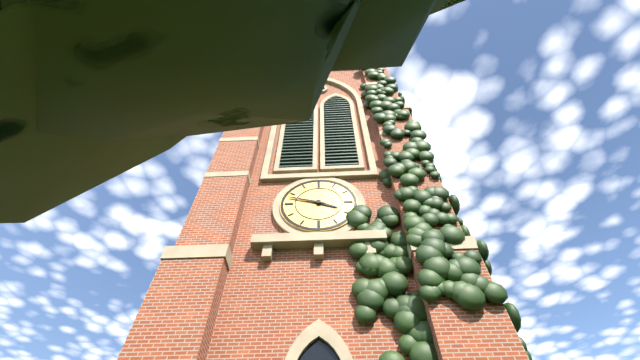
3:48
